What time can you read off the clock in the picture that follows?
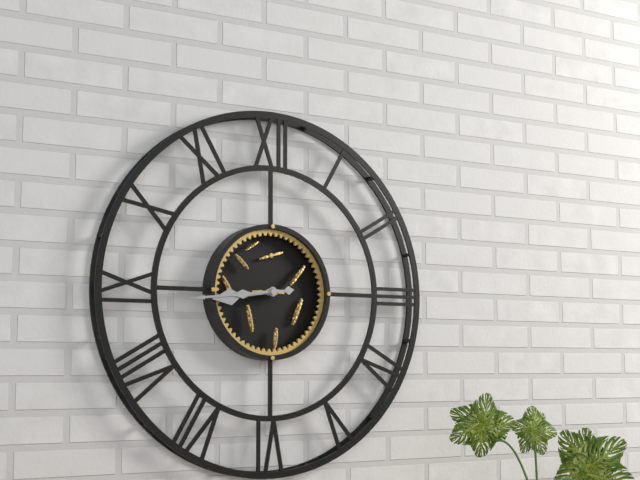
8:44
